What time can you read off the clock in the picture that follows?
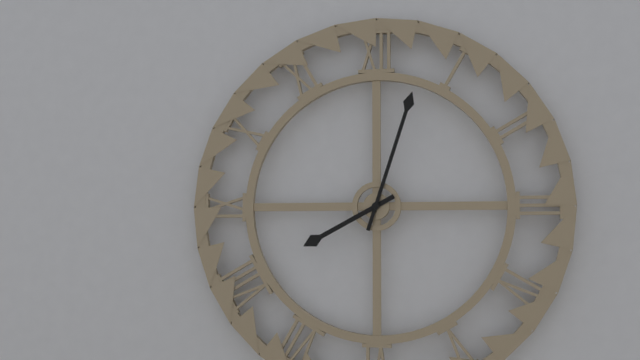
8:03
